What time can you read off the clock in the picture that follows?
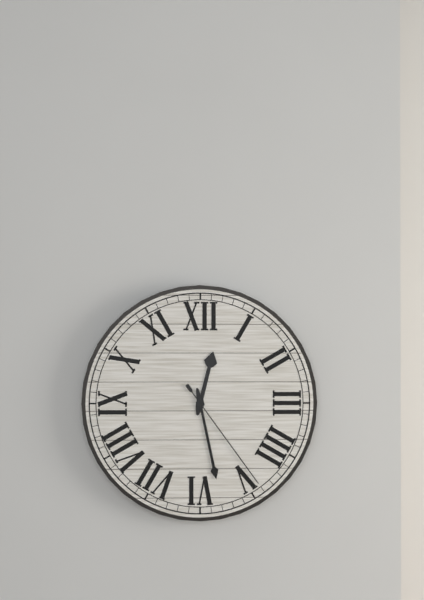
12:28:24
